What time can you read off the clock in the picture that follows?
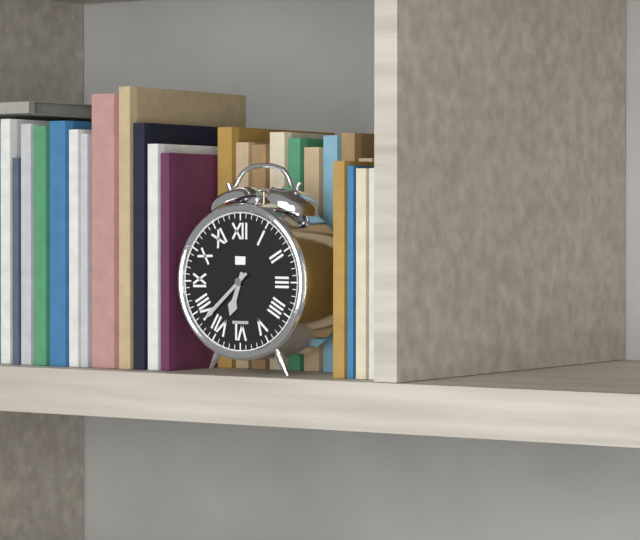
6:38
